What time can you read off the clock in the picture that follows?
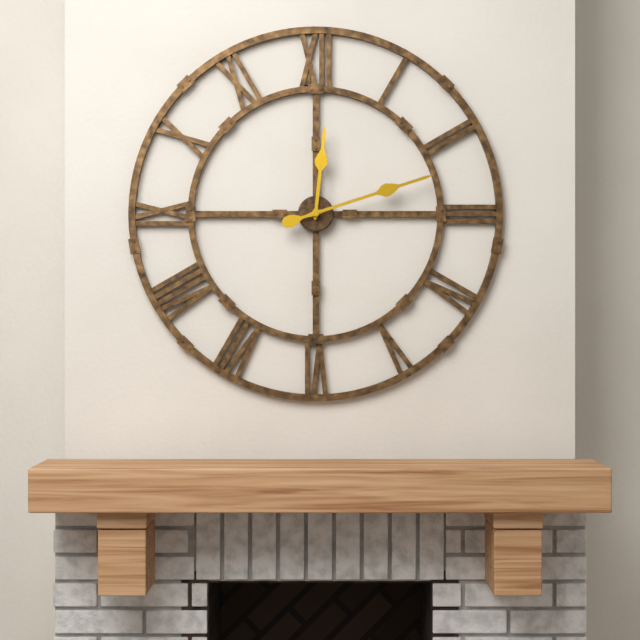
12:12
